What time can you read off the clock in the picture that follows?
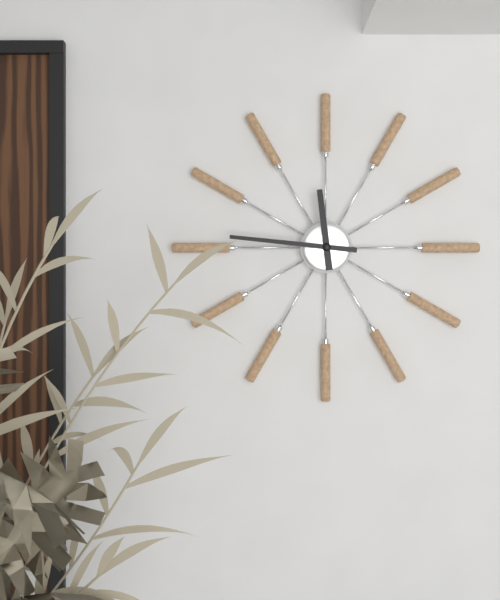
11:46
